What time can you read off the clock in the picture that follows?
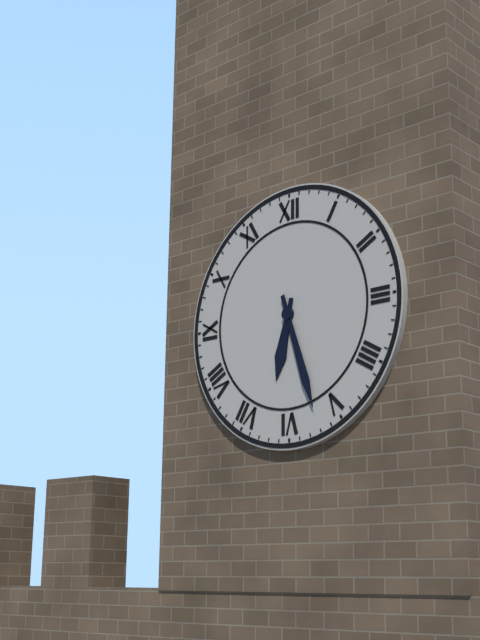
6:27
